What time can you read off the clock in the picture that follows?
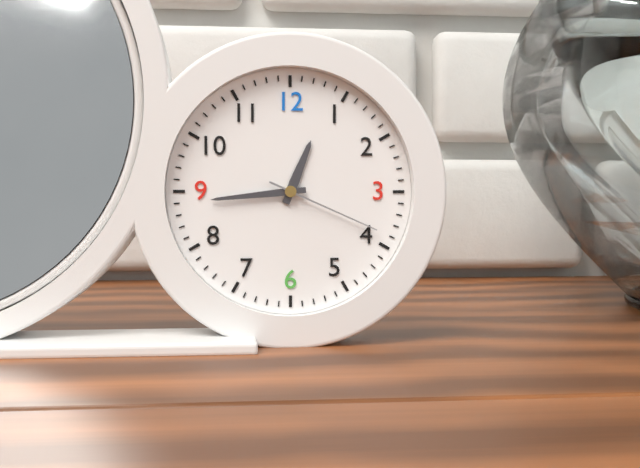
12:44:19
